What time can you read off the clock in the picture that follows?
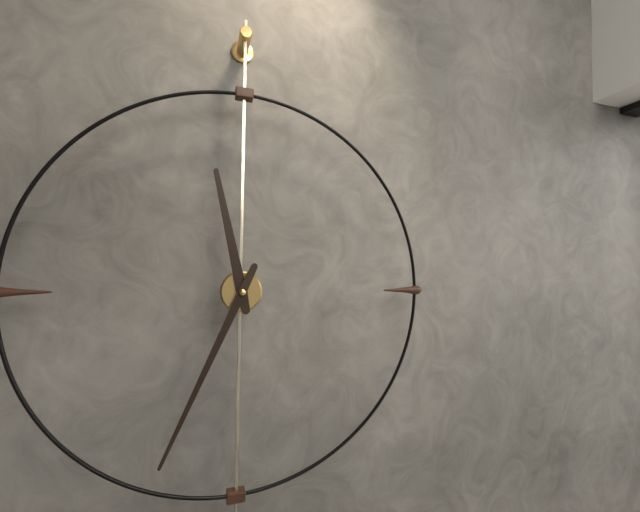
11:34
